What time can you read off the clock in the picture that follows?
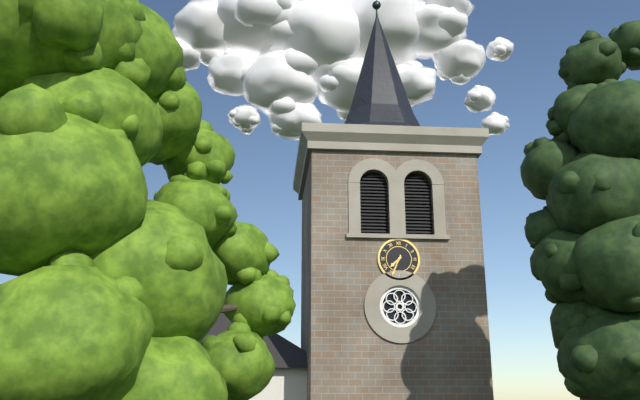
7:34
